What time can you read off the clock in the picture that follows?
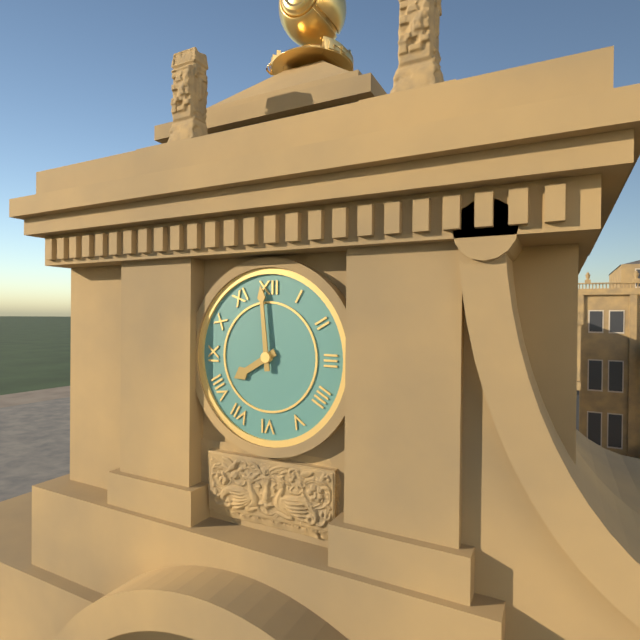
7:59
